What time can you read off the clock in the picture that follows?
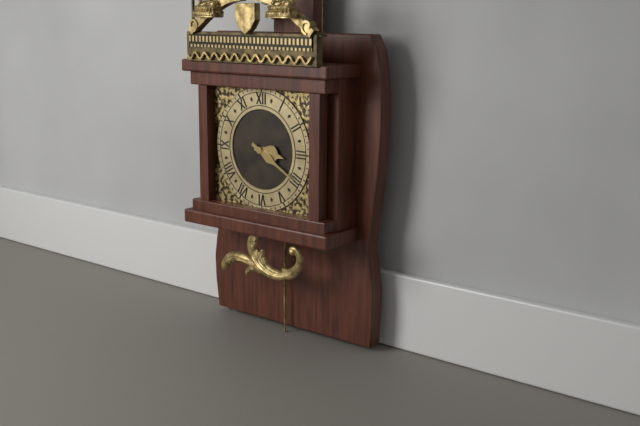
3:20
